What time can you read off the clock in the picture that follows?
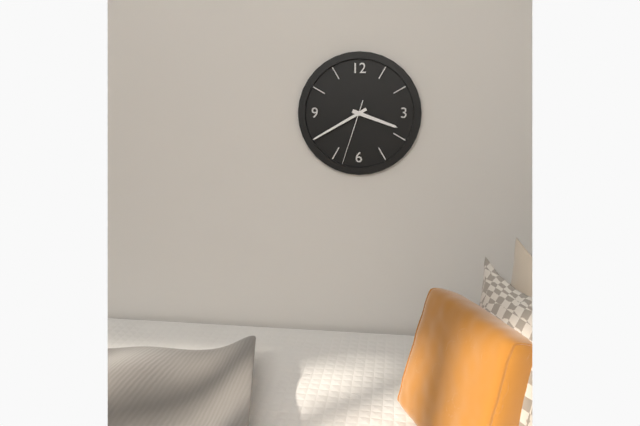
3:40:33
